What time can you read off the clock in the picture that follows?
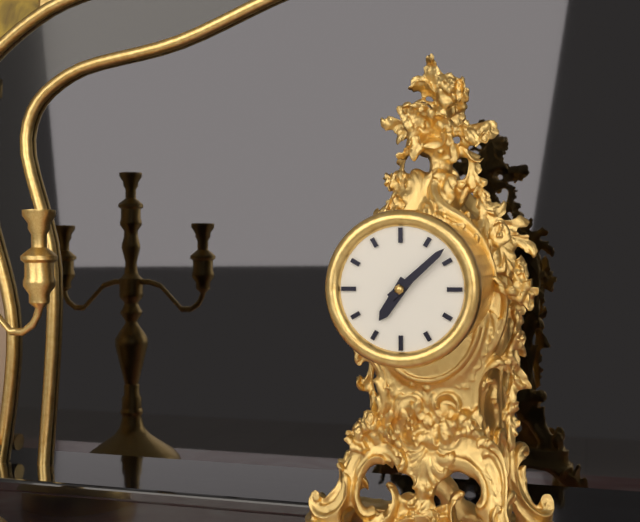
7:08
